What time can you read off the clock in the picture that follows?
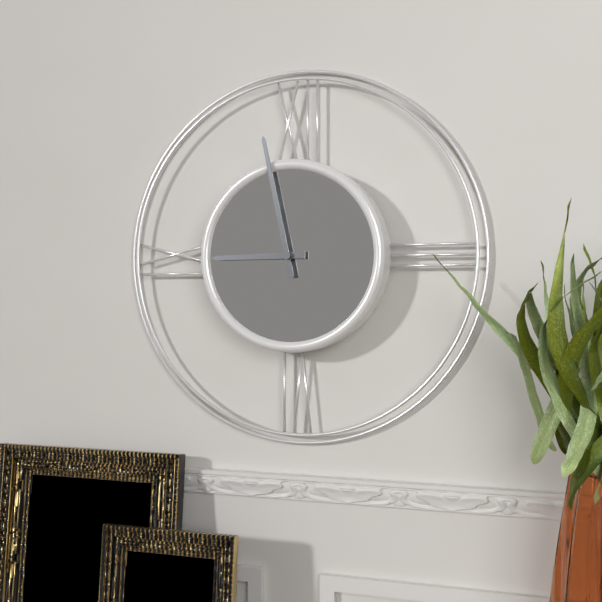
8:58
